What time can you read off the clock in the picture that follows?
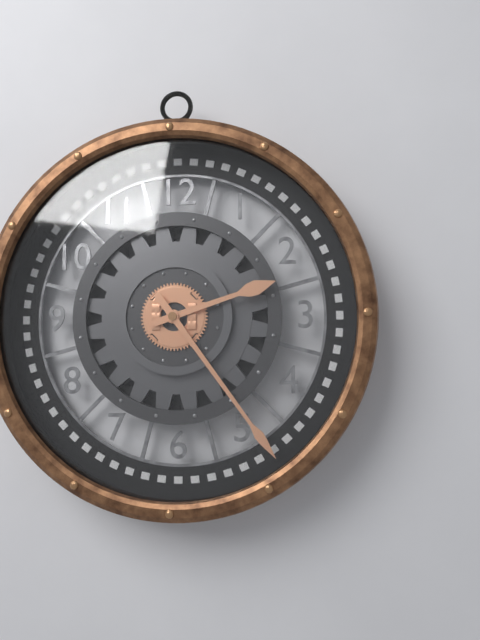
2:24
